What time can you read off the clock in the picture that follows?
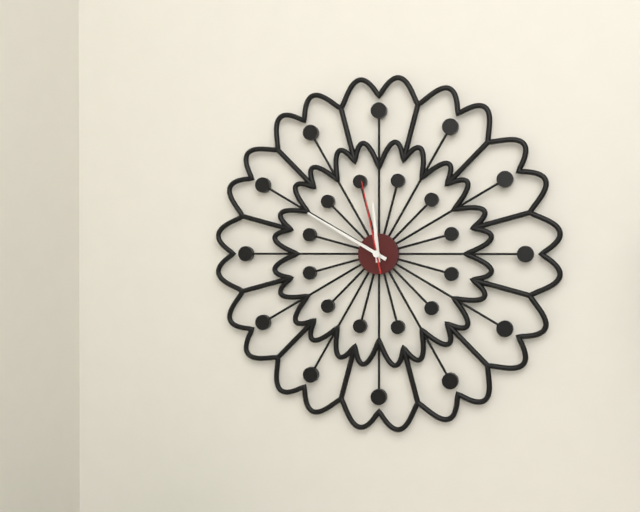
11:50:58
